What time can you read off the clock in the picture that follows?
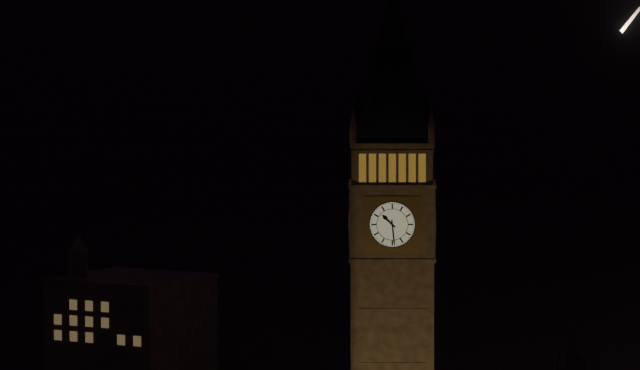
10:29
